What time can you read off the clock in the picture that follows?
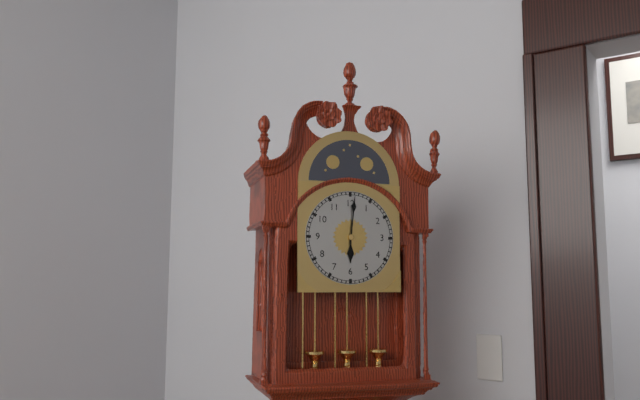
6:01
